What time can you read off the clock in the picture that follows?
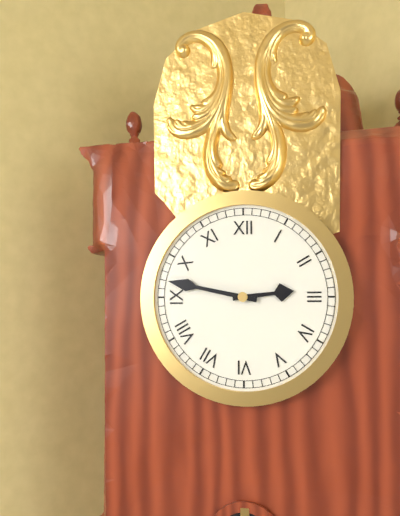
2:47
